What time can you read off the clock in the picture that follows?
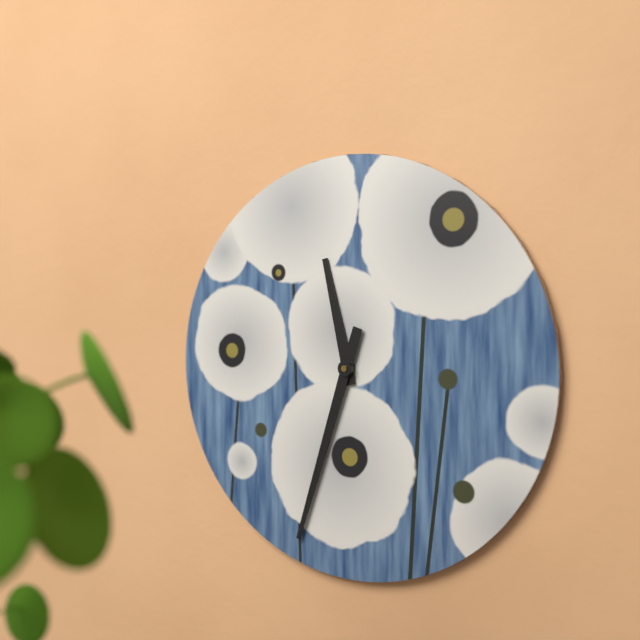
11:33
